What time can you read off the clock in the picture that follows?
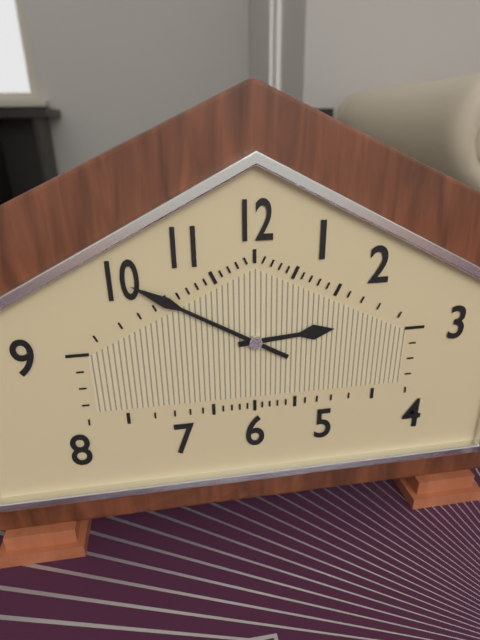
2:50
